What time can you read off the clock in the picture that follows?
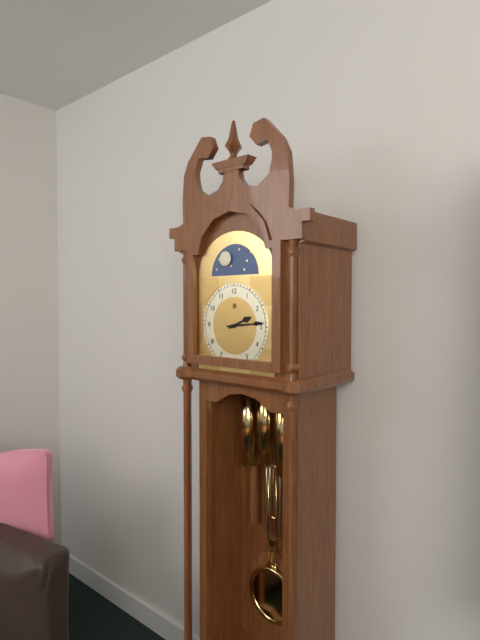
2:14
